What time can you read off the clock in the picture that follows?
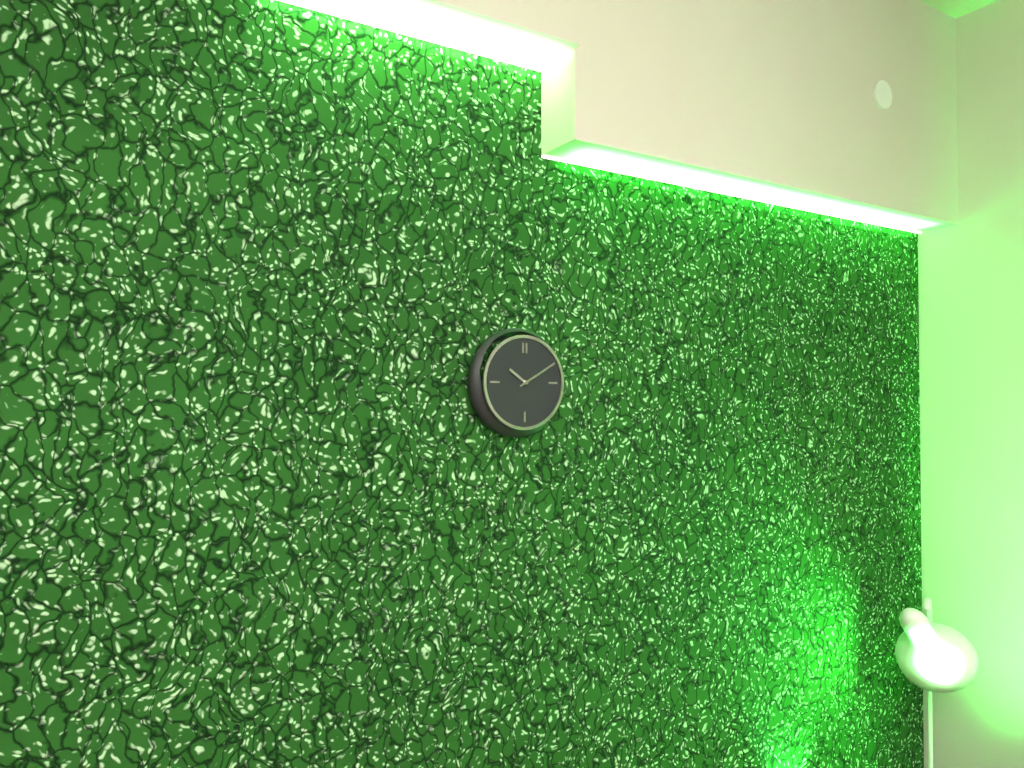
10:10
